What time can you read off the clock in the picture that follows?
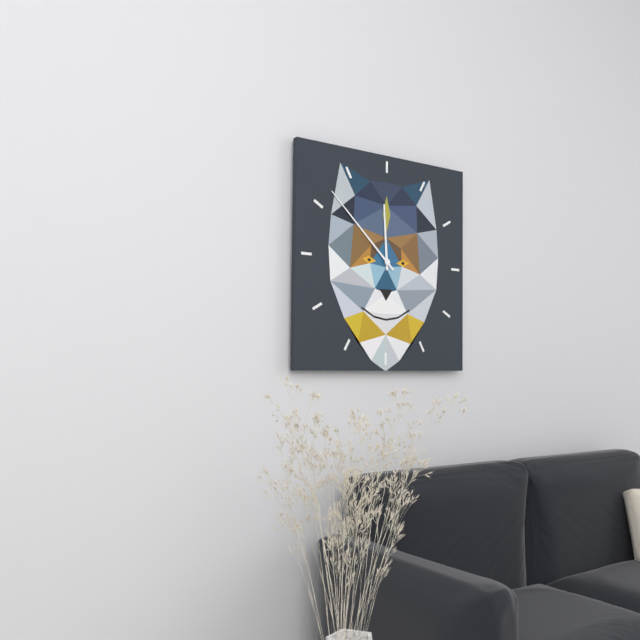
11:52
